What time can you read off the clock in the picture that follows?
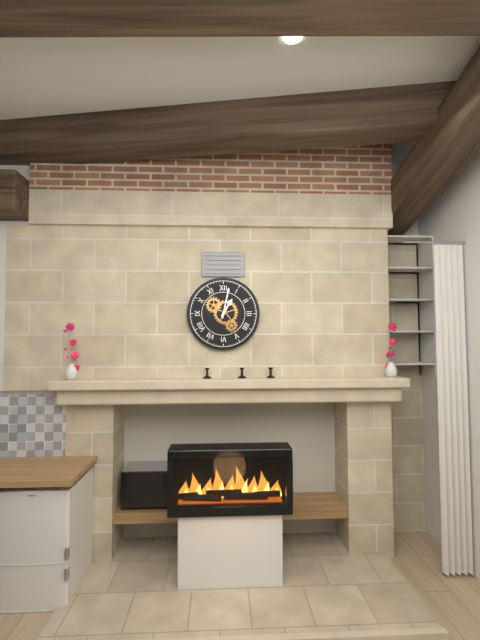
1:02
